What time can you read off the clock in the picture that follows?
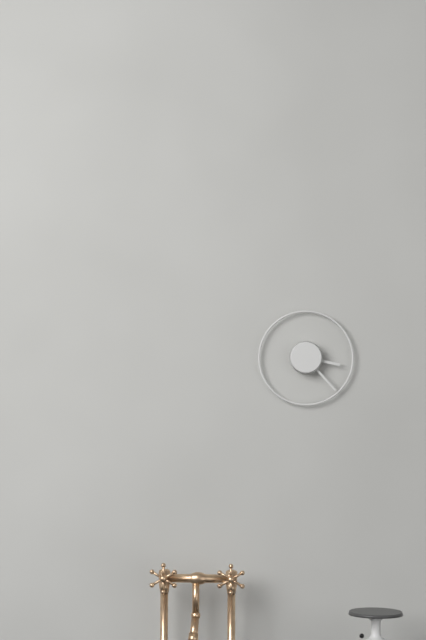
3:23
